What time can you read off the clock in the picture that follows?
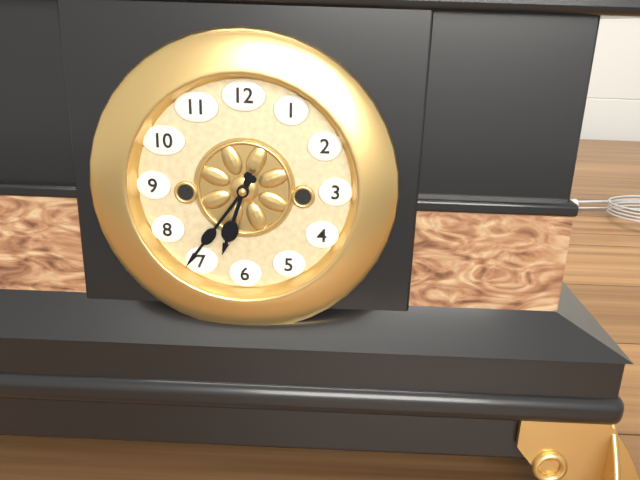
6:36
